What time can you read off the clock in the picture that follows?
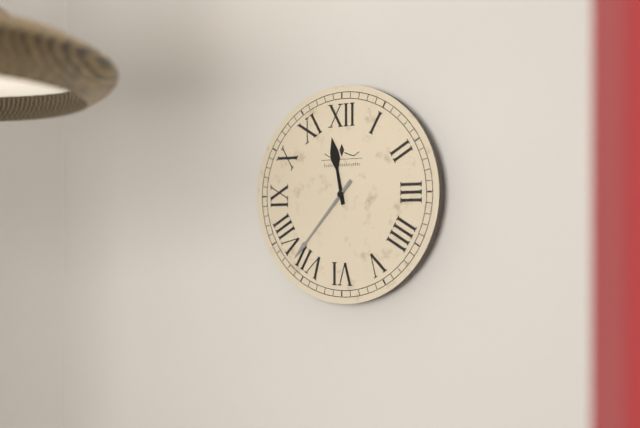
11:37
